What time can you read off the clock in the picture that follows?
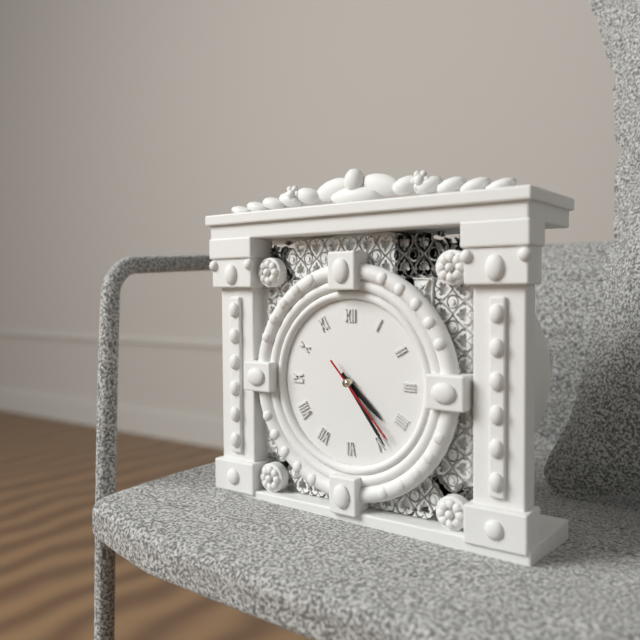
4:24:23
